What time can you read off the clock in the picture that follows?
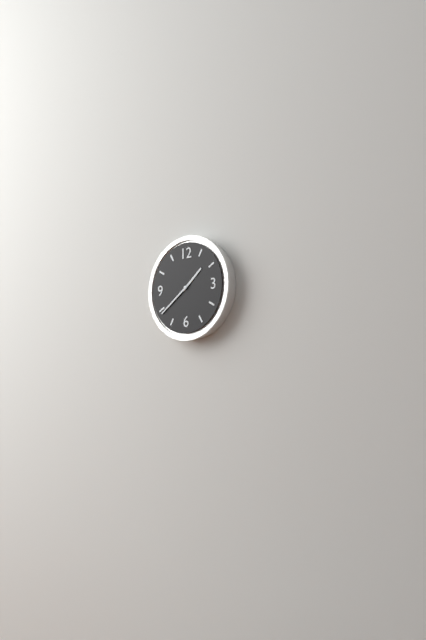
1:39
